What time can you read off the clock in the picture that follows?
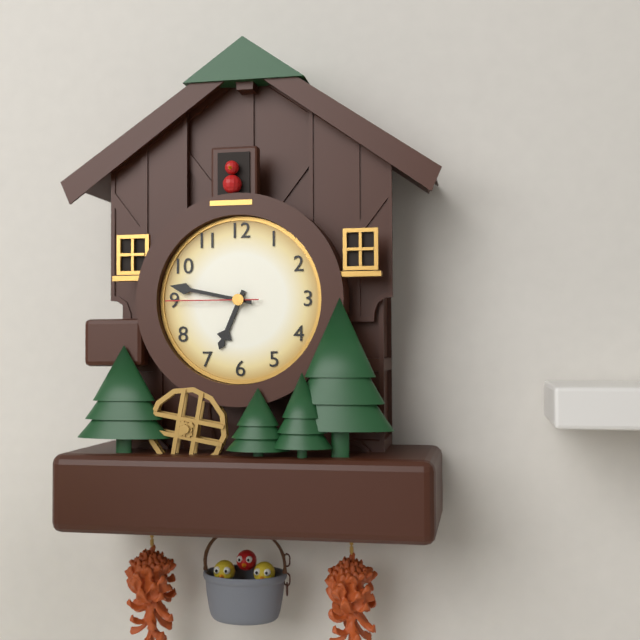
6:47:45
